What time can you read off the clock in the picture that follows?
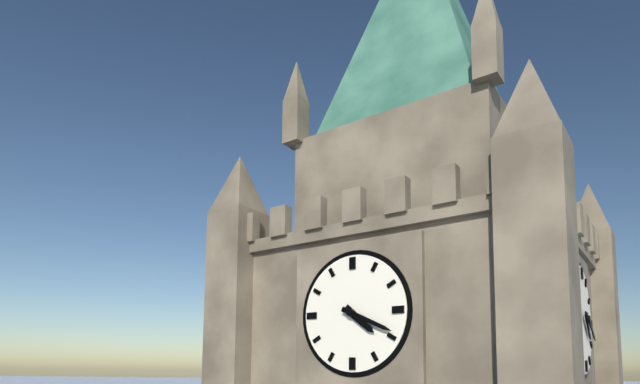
4:19
